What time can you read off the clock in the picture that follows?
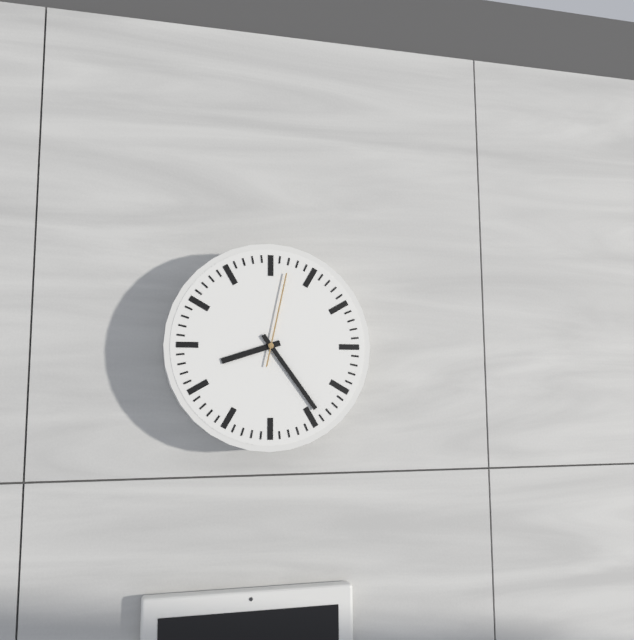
8:24:02
